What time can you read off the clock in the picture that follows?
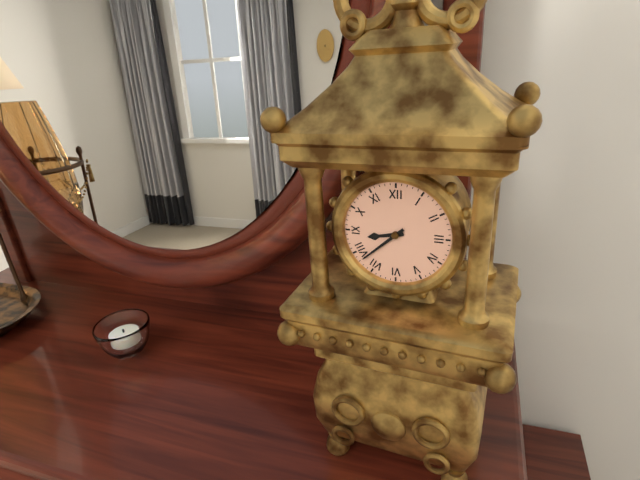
8:38
